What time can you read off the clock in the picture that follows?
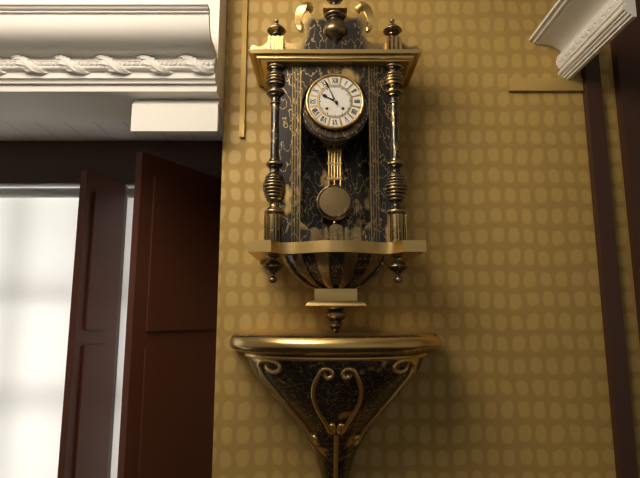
9:56
